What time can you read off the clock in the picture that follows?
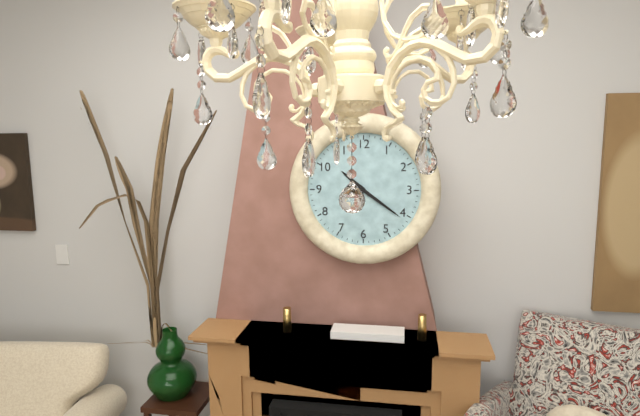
10:21
